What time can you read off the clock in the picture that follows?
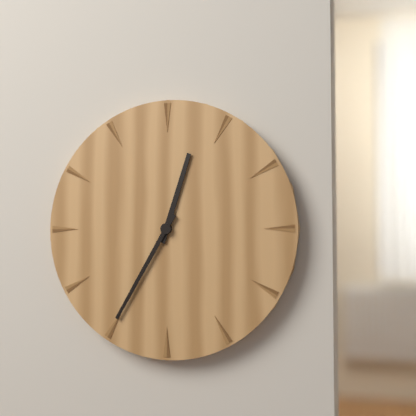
12:35
